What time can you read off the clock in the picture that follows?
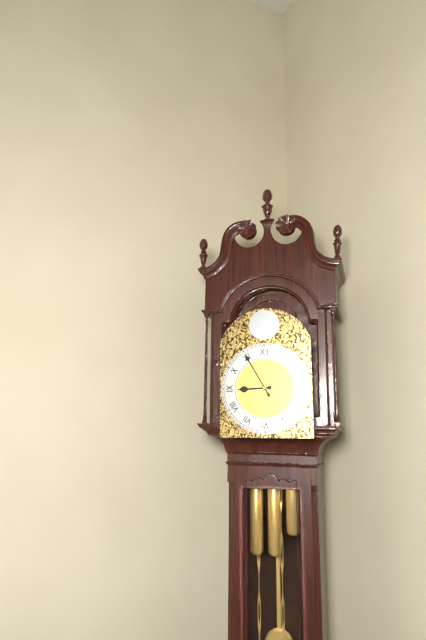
8:55
